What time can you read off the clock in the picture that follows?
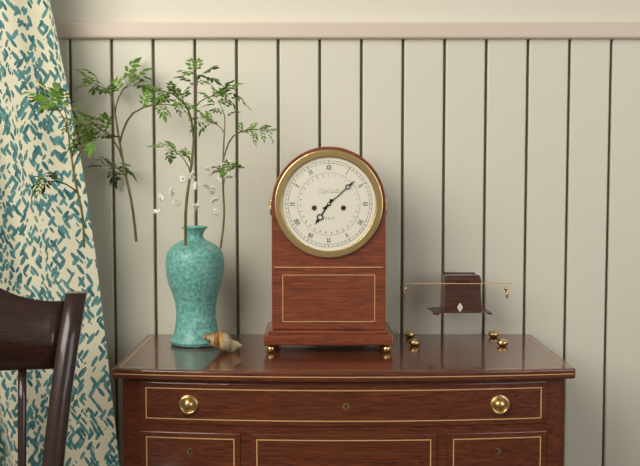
7:08
